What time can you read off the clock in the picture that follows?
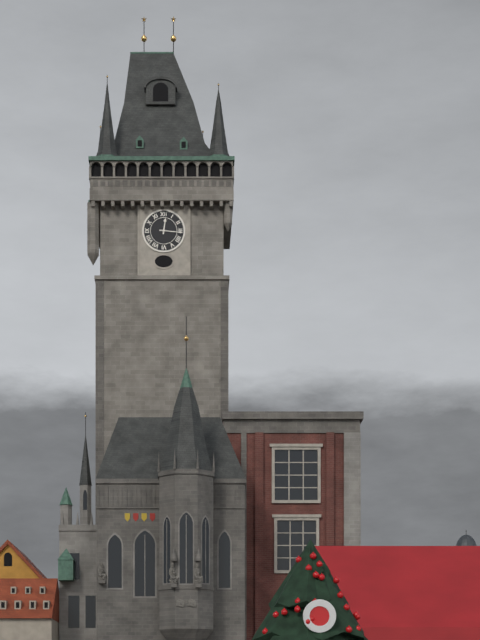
12:16
